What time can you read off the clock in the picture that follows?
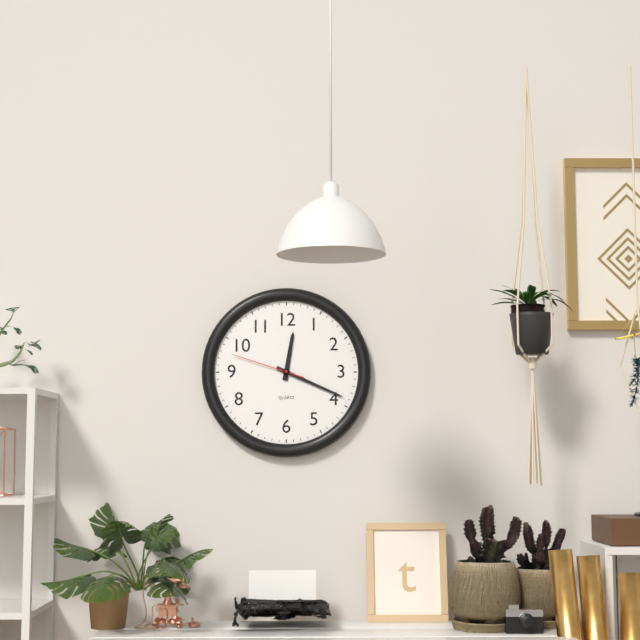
12:19:48
